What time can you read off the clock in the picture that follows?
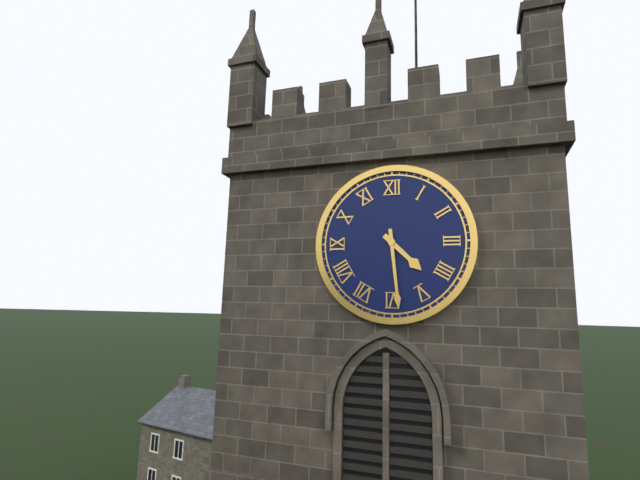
4:29
